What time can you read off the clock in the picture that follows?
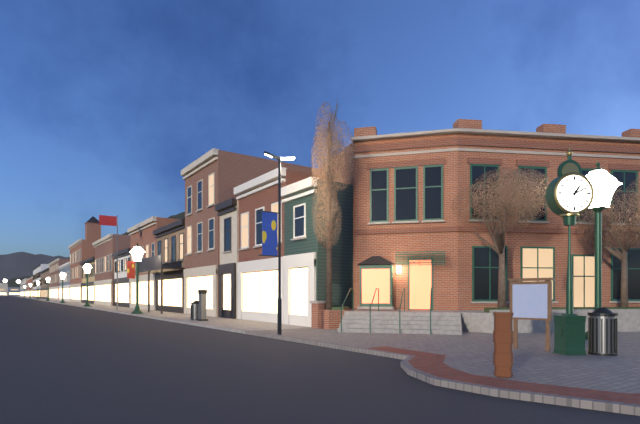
1:11
